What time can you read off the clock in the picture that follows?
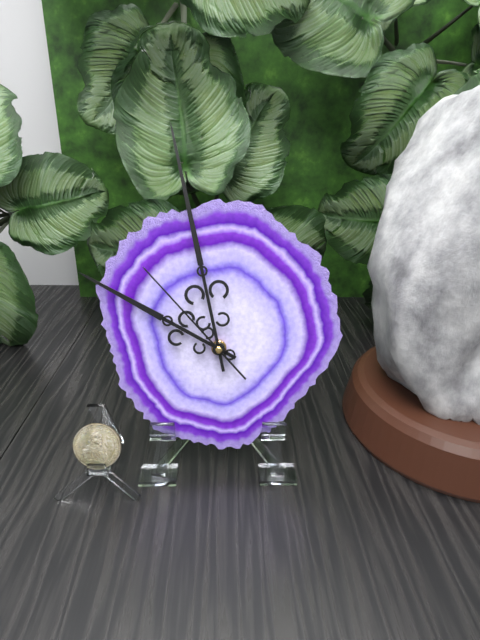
9:58:53
